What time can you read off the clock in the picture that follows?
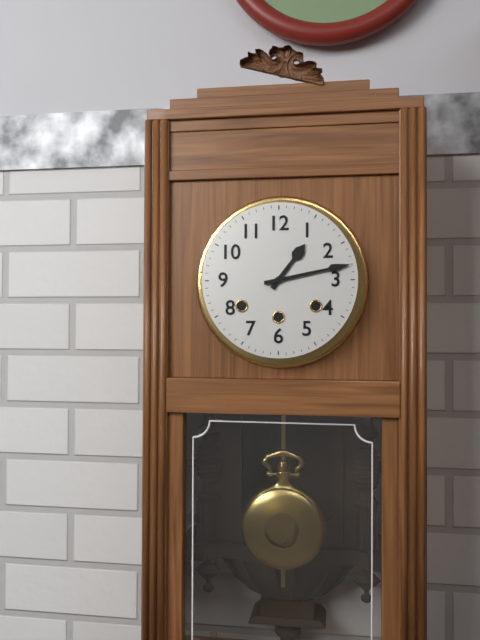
1:13
